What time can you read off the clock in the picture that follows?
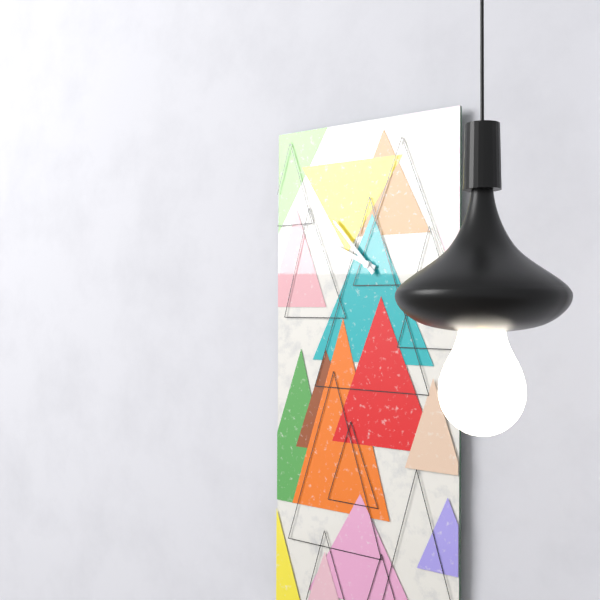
9:53
